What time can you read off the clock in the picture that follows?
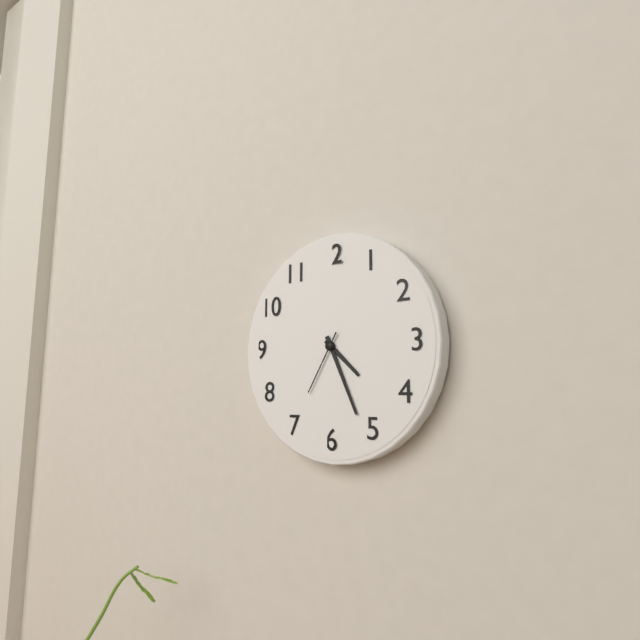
4:26:35
